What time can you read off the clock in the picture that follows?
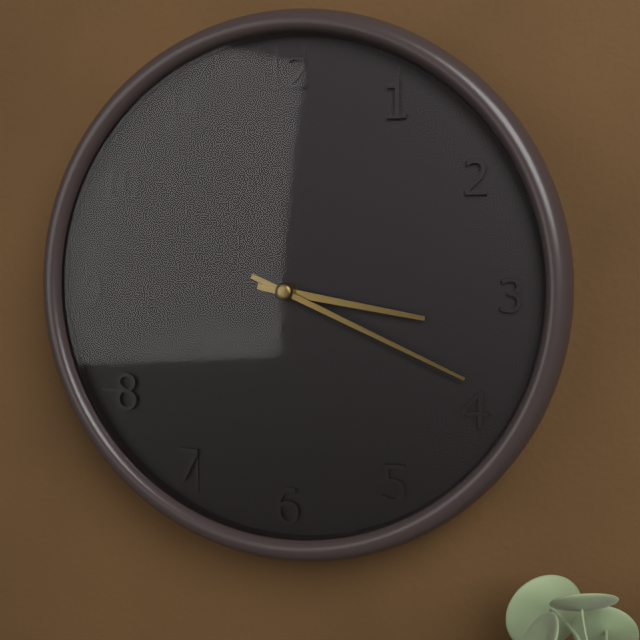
3:19
